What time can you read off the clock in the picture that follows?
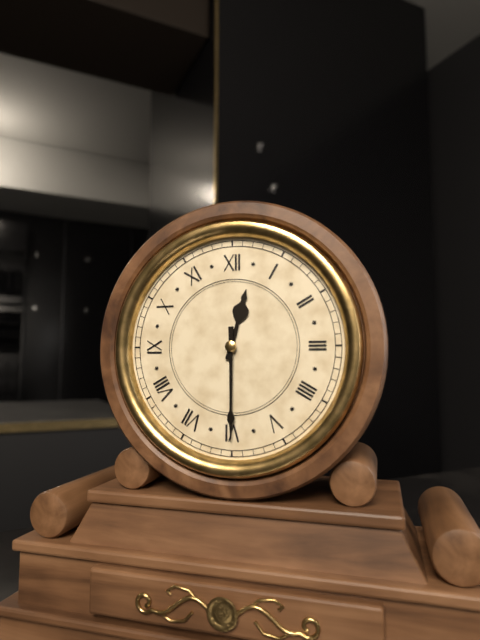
12:30
